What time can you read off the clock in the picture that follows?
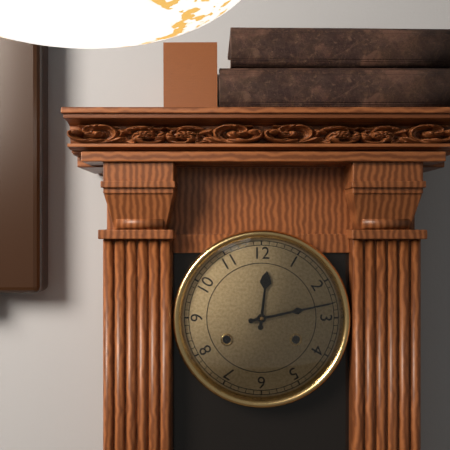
12:13
